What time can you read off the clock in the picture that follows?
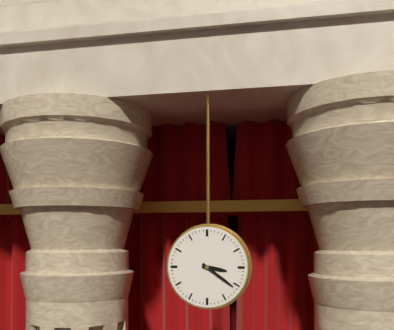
3:21
